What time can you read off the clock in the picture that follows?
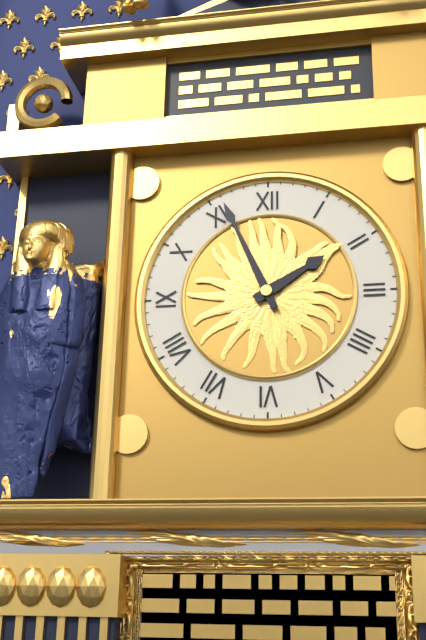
1:56
